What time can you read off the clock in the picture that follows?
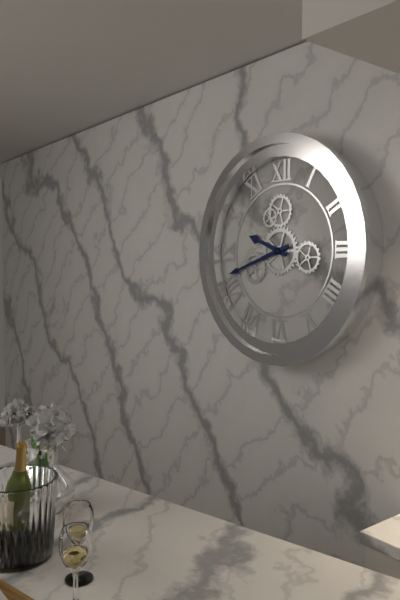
9:42
